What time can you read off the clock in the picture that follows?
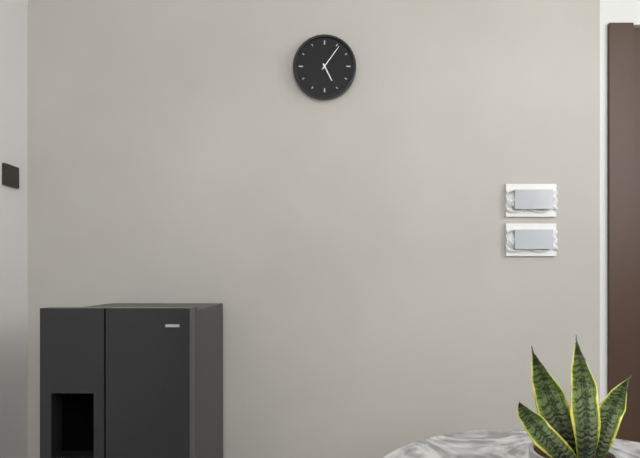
5:06
